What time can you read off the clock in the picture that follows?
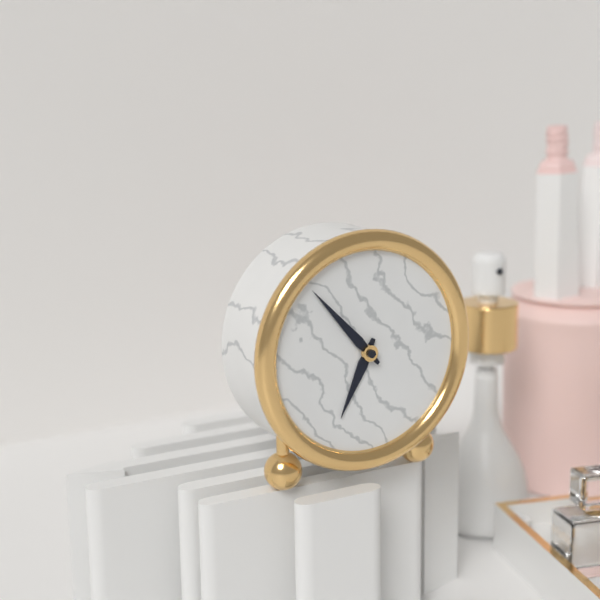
6:53
